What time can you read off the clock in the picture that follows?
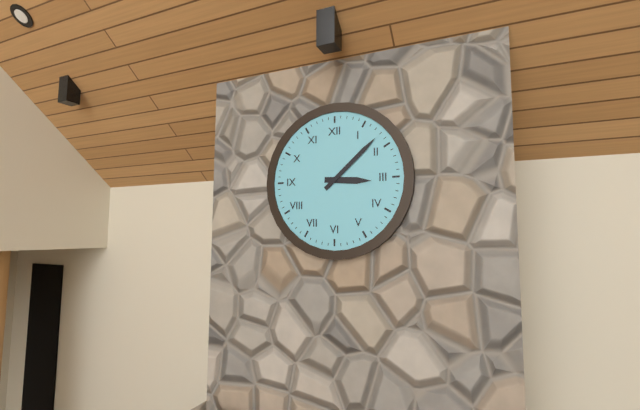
3:08
